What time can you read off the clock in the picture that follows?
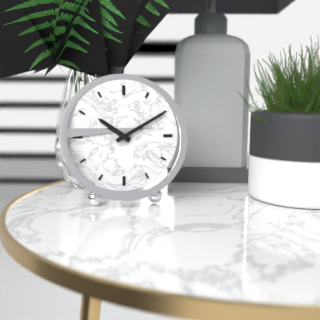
10:10
